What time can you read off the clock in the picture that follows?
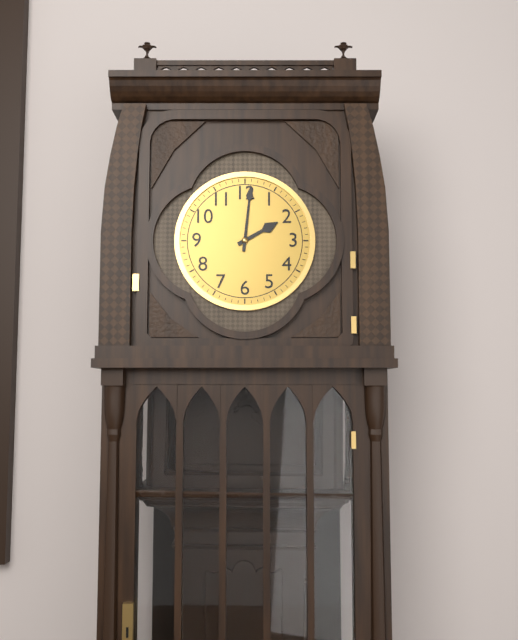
2:01
